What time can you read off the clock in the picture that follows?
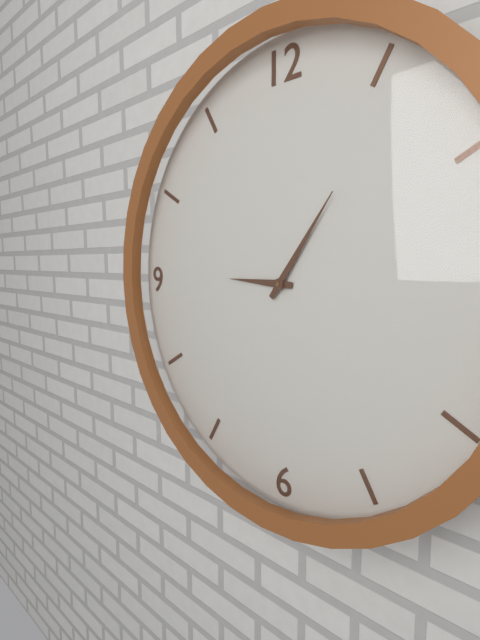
9:06
